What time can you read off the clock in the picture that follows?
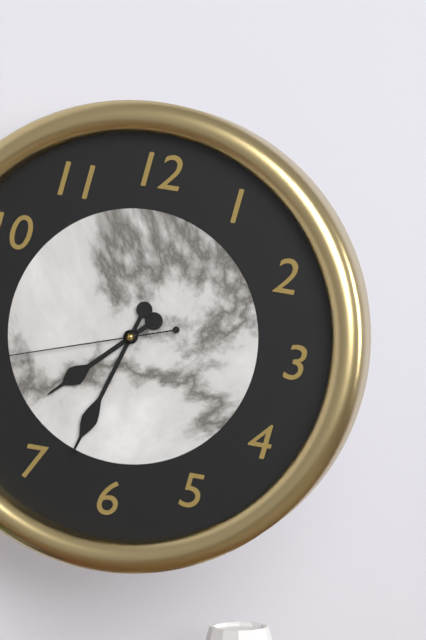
7:33
